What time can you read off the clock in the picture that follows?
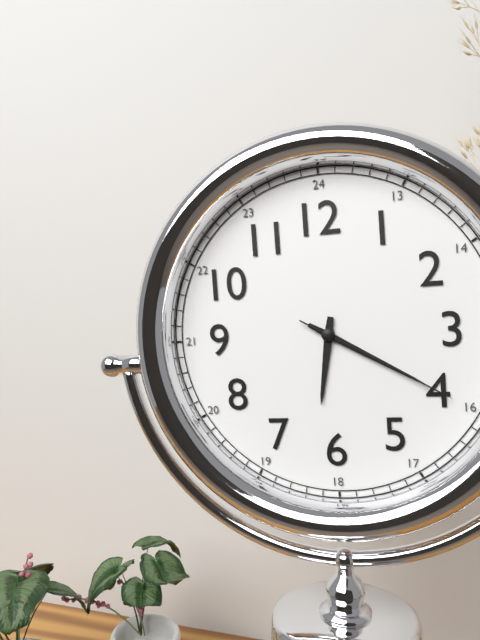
6:20:20
